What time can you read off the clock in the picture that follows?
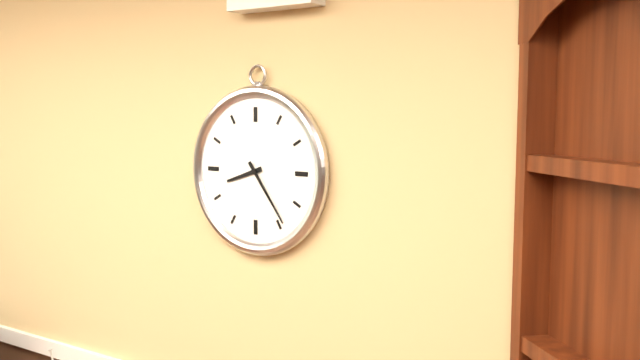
8:24
